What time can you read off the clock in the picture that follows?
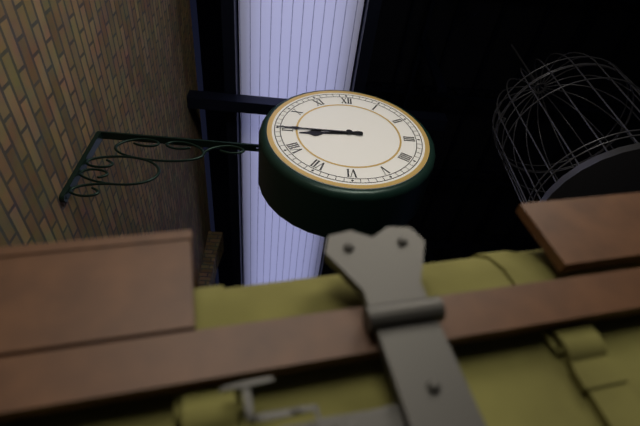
8:45
